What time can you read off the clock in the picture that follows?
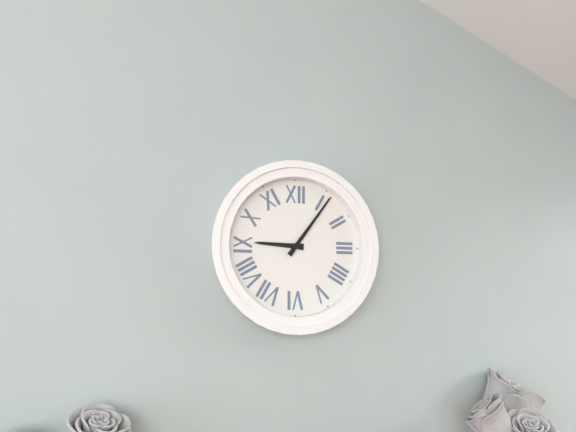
9:06
